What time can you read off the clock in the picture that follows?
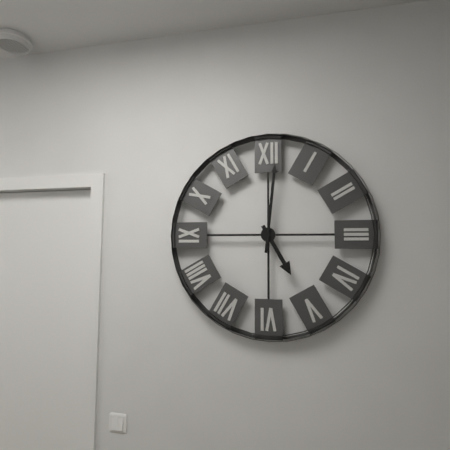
5:01
